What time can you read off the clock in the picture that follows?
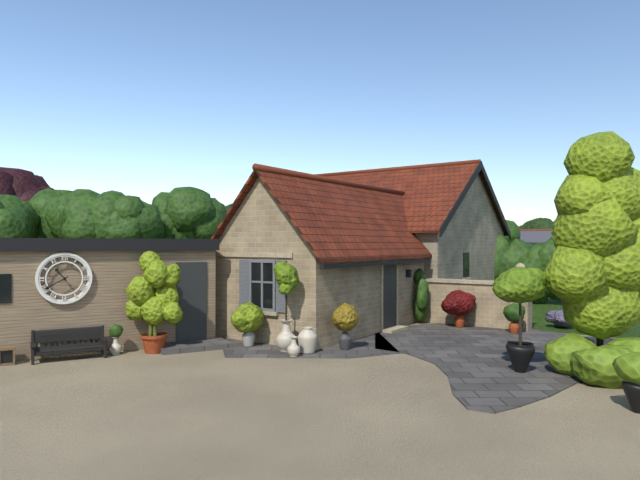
10:40
